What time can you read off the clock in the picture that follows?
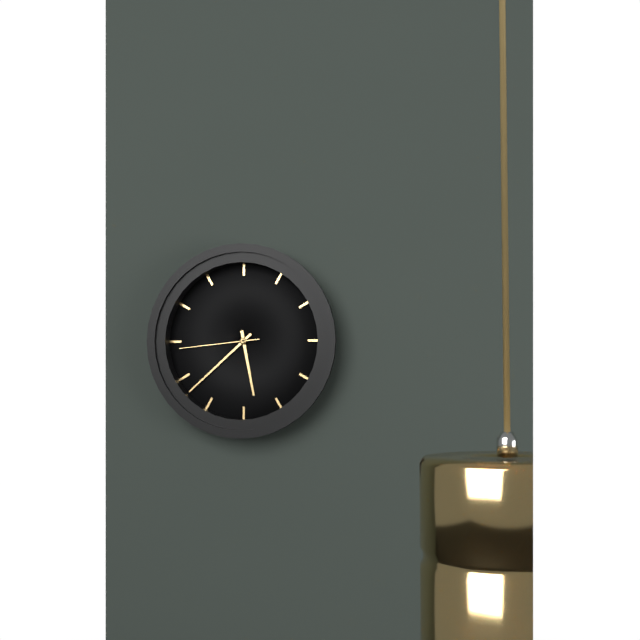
5:38:44
